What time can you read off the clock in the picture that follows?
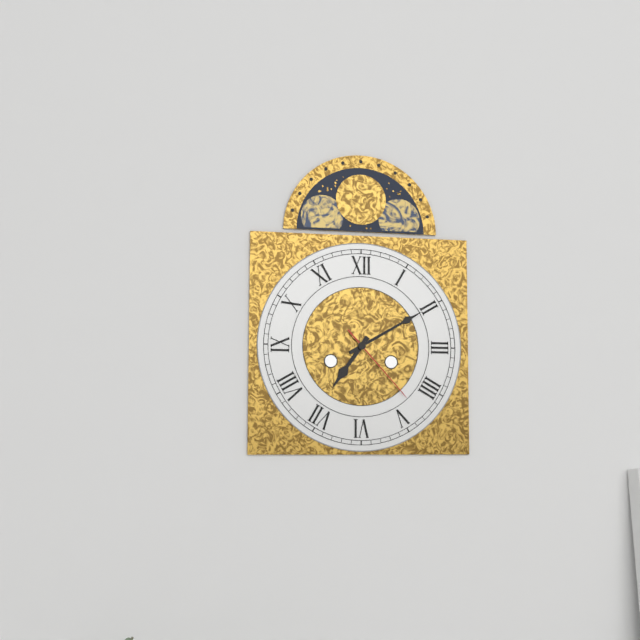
7:10:23
